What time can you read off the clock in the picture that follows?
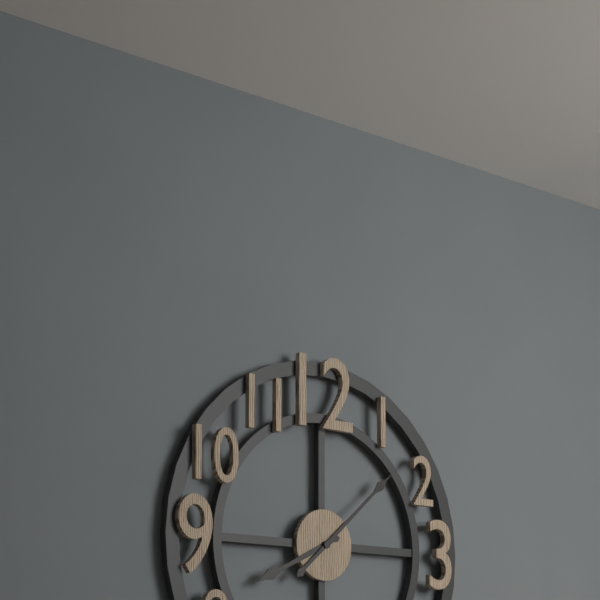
8:08
